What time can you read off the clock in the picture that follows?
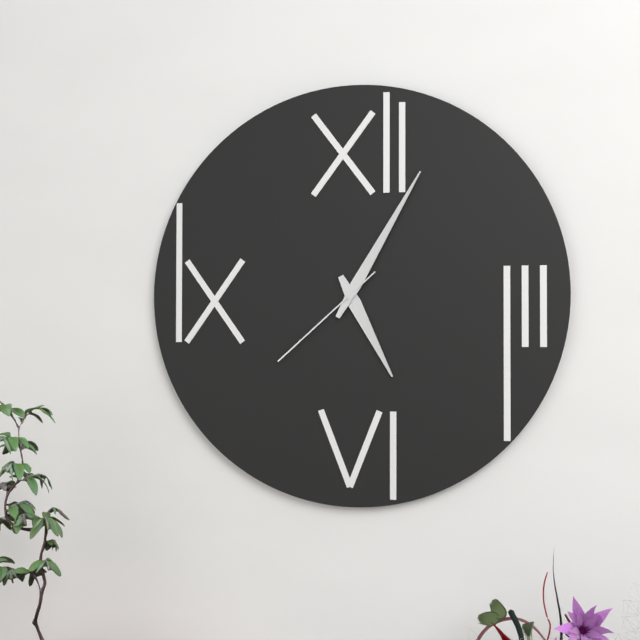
5:05:38
